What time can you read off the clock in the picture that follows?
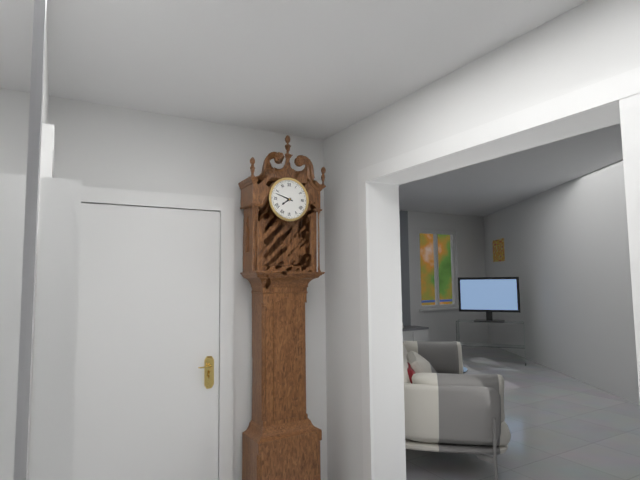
7:48
